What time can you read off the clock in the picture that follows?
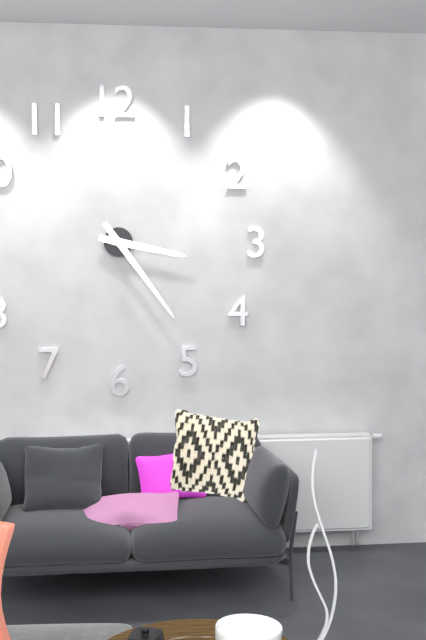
3:24
